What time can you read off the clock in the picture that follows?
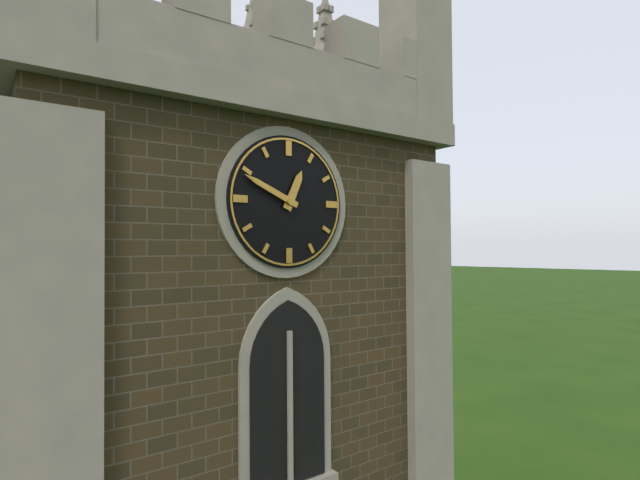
12:49
